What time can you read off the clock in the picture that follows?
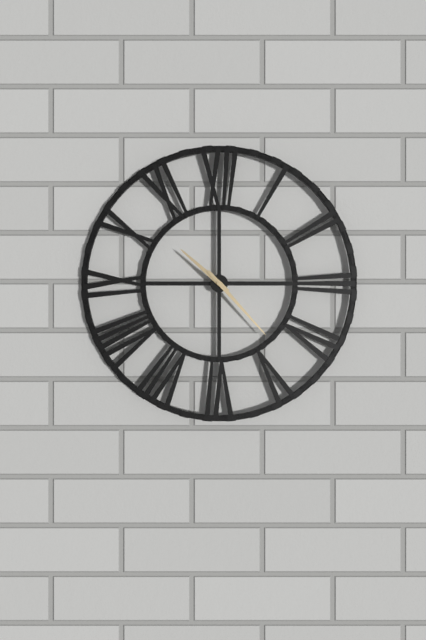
10:23
